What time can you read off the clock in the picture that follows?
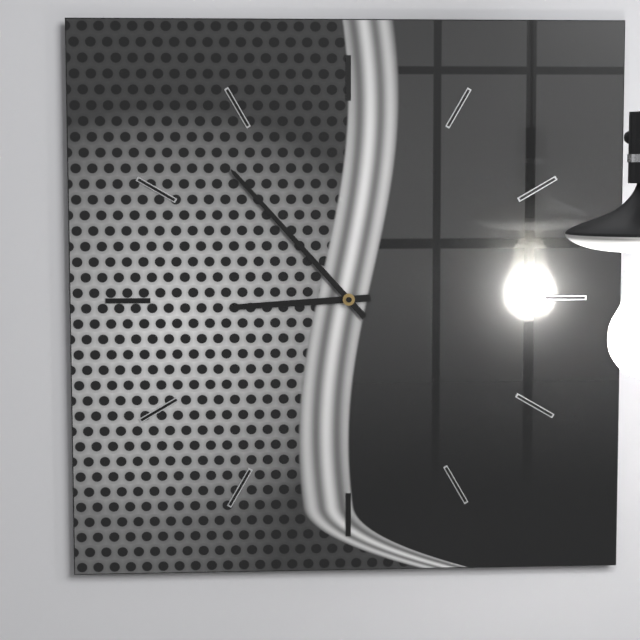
8:53
